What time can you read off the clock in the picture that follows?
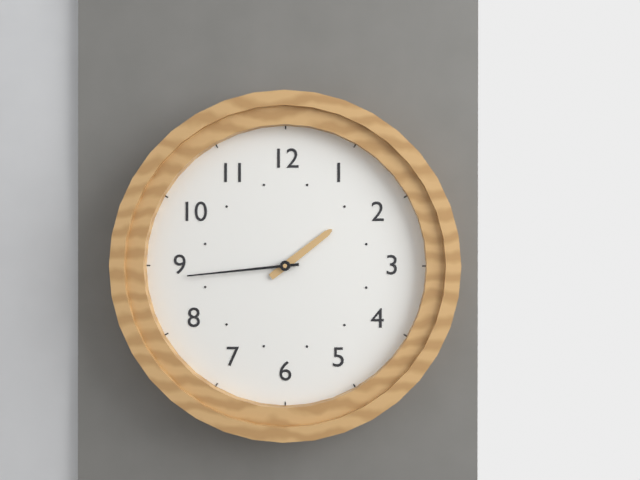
1:44
